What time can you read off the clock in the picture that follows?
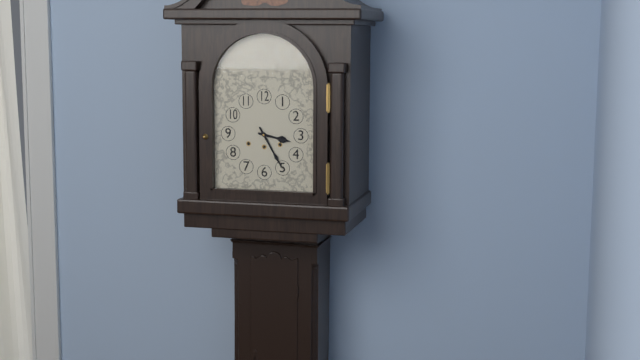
3:25
